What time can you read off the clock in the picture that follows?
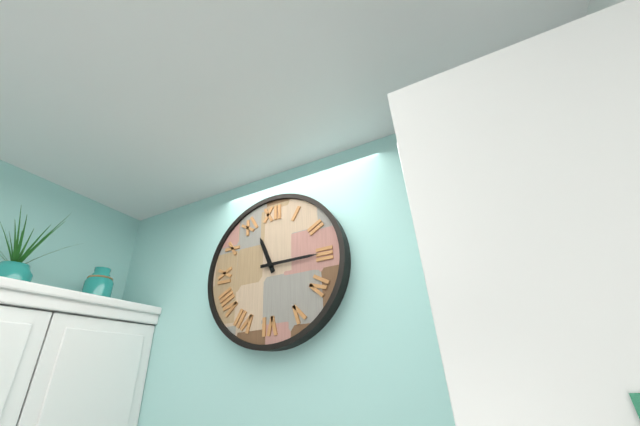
11:15
